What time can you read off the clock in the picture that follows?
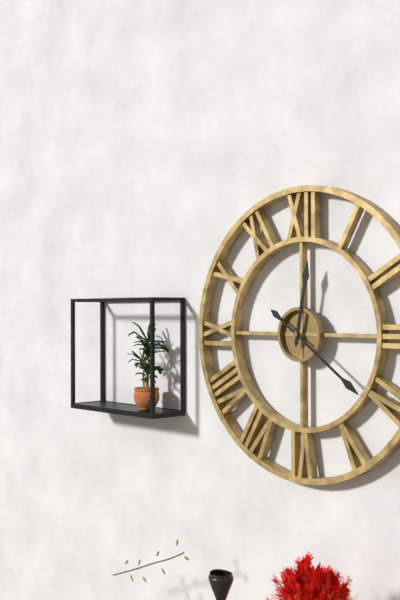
12:21
